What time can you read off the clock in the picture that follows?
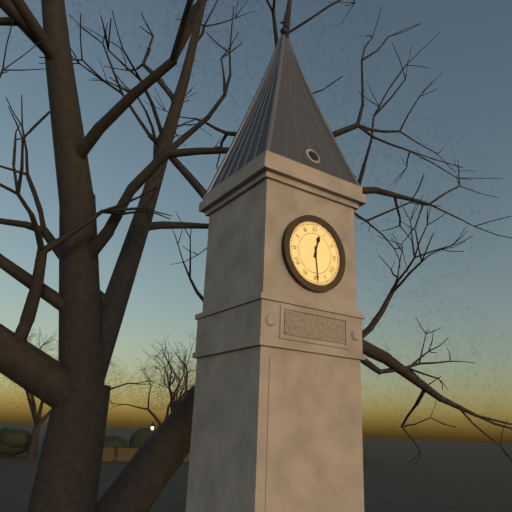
12:29
